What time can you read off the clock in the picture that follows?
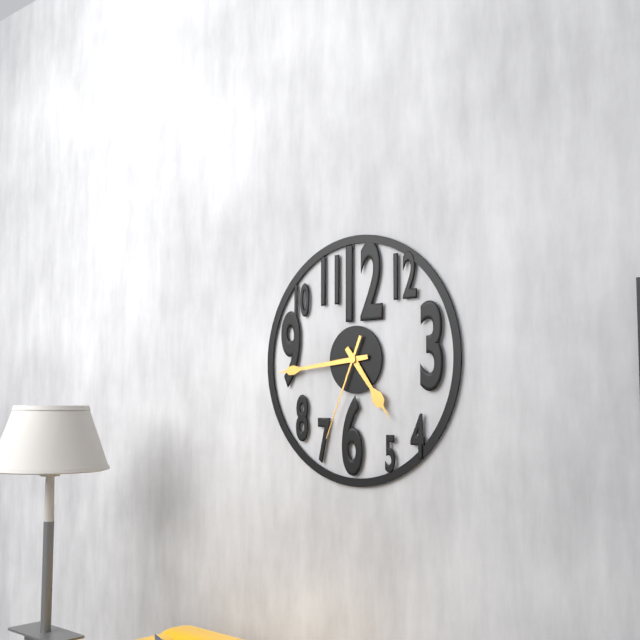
4:44:34
